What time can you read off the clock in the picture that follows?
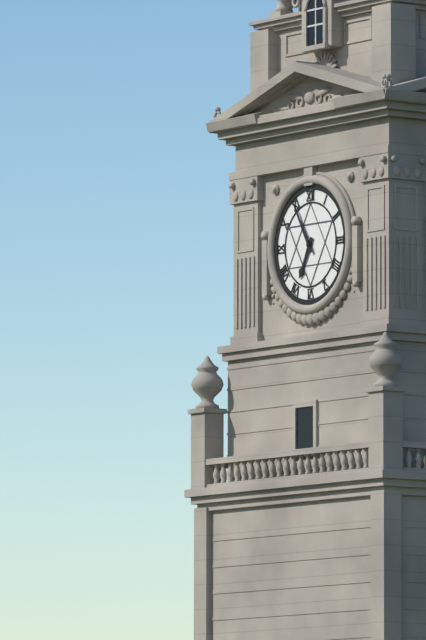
6:55
